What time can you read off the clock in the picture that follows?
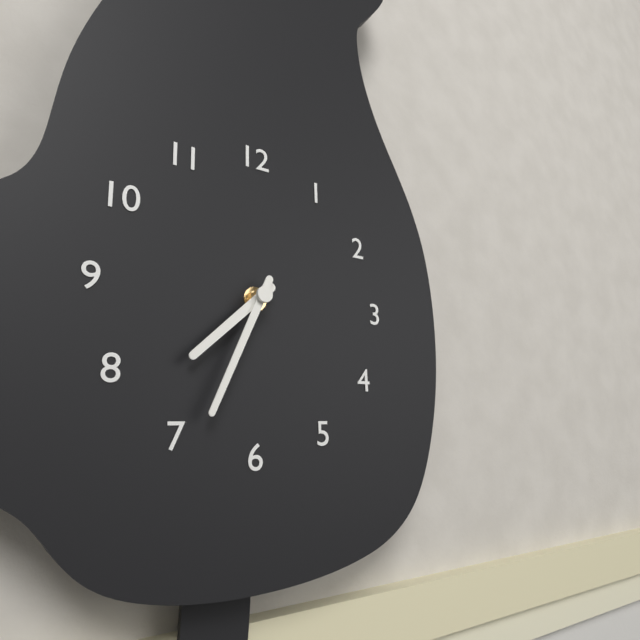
7:34
